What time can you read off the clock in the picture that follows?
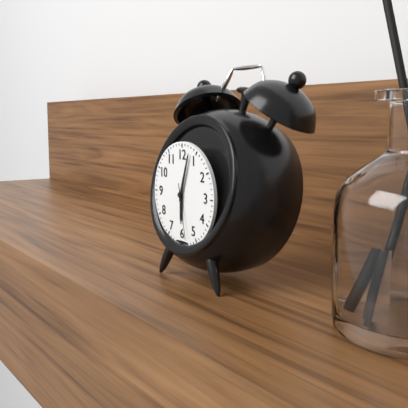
6:03:28
